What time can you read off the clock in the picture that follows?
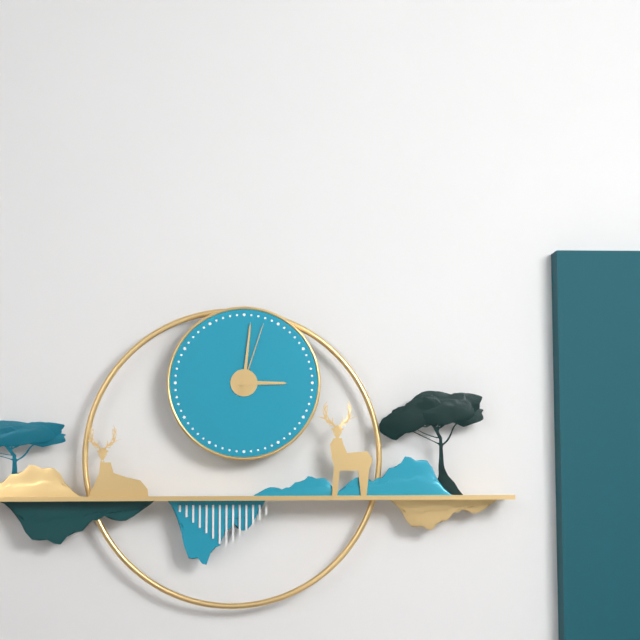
3:01:03
